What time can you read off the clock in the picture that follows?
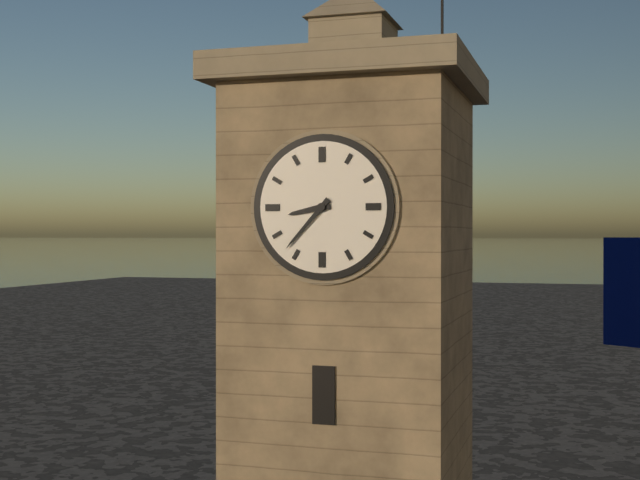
8:37
